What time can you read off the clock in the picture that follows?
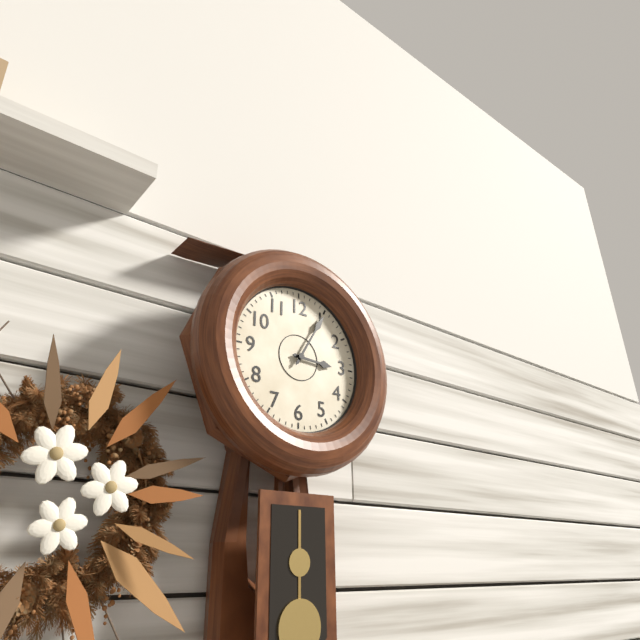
3:05
